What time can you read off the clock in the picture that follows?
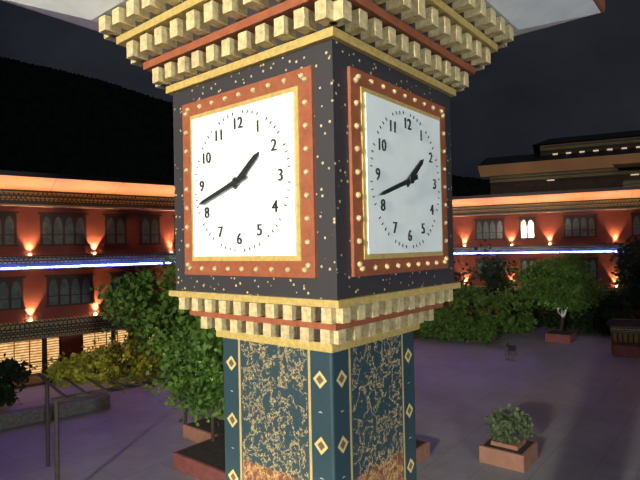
1:42
